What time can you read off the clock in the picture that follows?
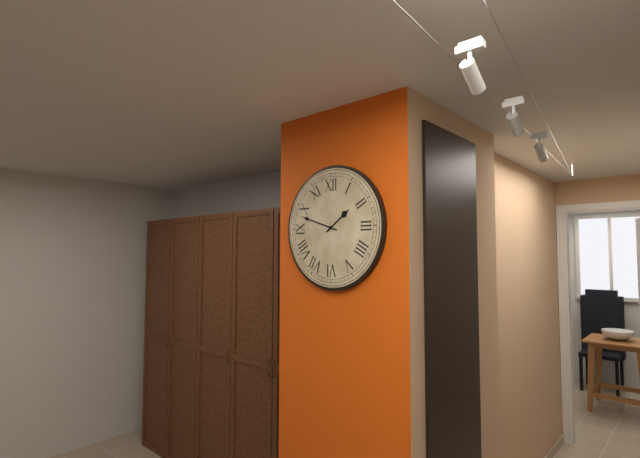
1:48
